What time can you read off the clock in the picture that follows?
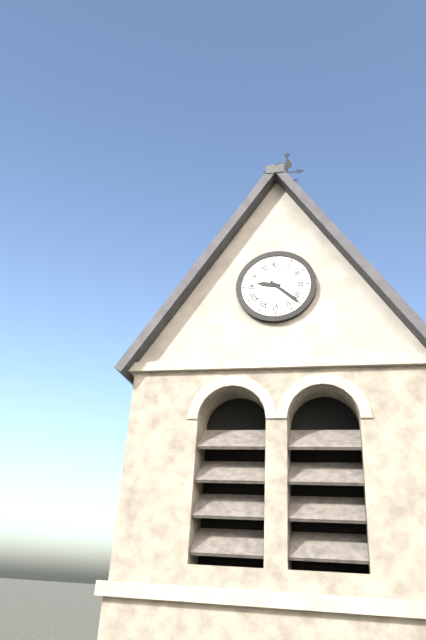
9:22
